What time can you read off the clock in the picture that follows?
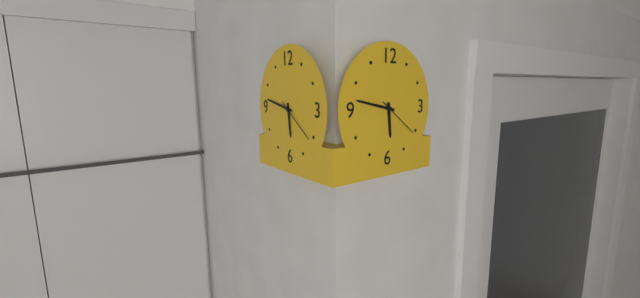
5:47
